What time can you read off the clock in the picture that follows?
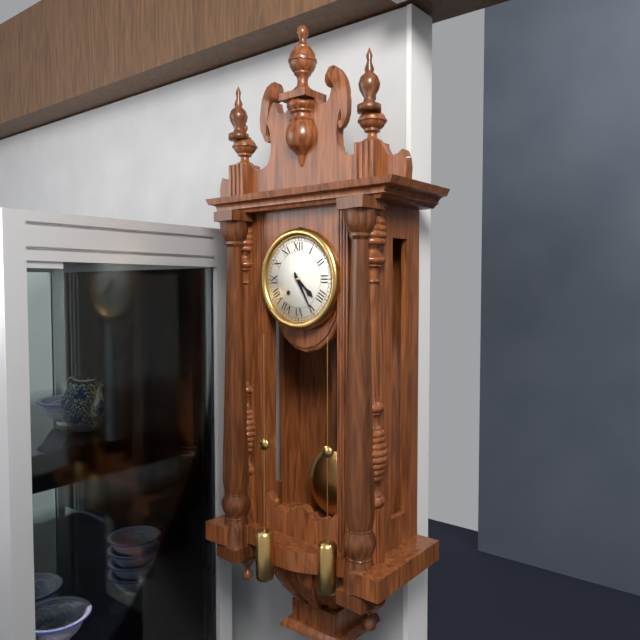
4:25
